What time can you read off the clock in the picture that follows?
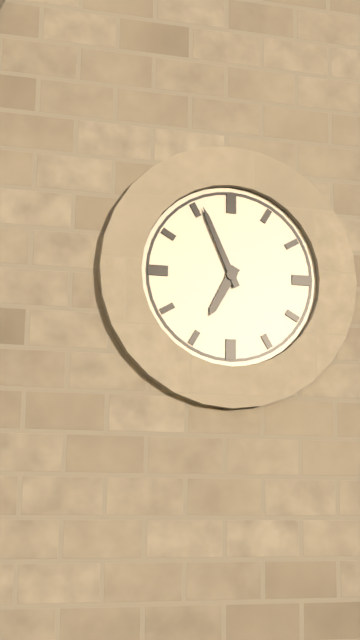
6:56
